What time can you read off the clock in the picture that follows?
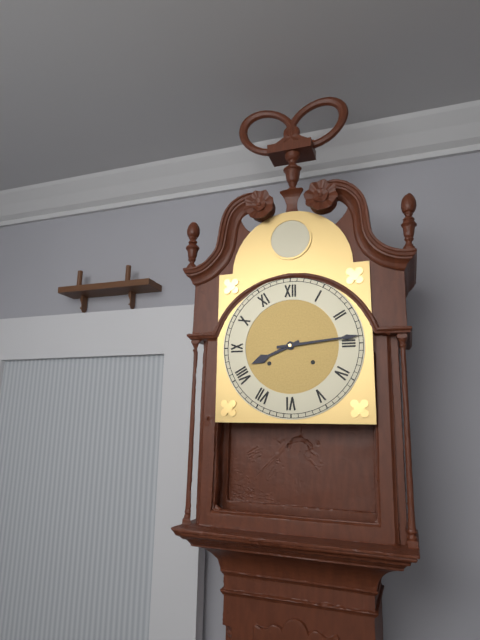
8:14
